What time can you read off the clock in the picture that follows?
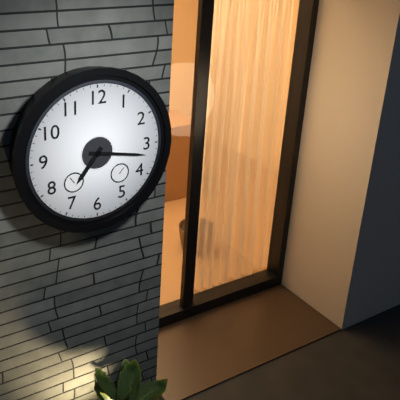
7:17
